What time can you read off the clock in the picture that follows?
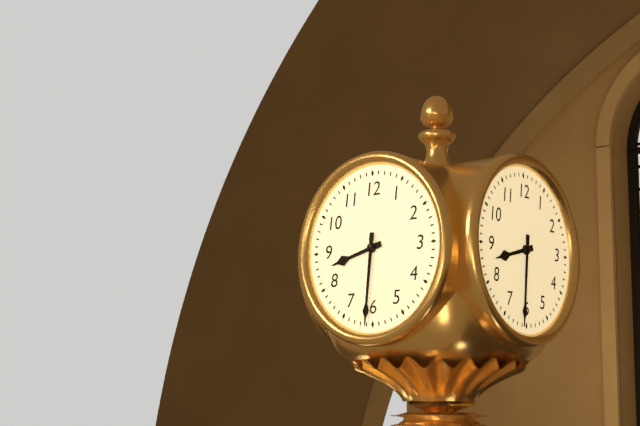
8:31
